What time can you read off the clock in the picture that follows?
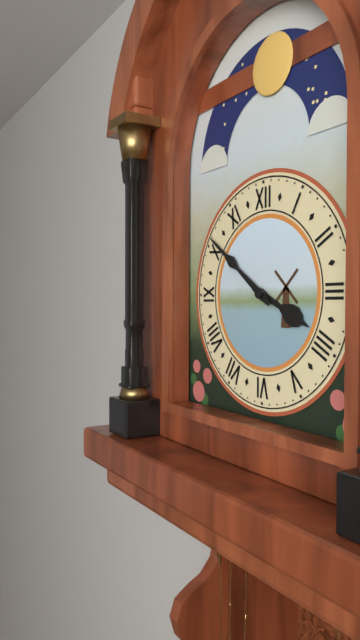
3:51
